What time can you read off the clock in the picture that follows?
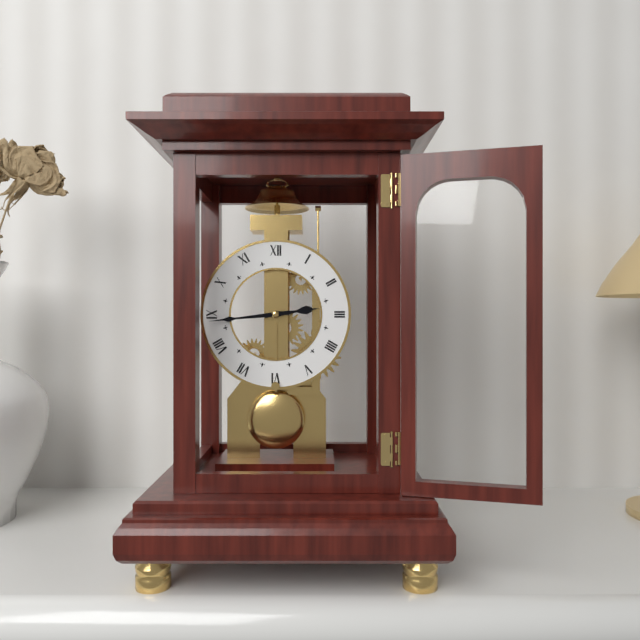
2:44
